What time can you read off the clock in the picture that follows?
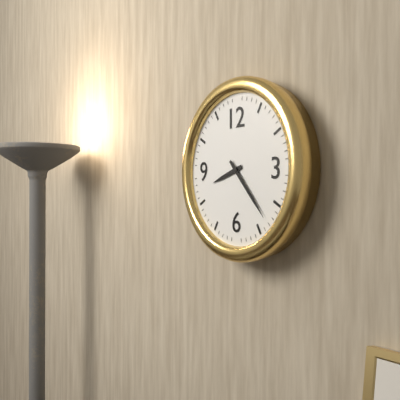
8:23
